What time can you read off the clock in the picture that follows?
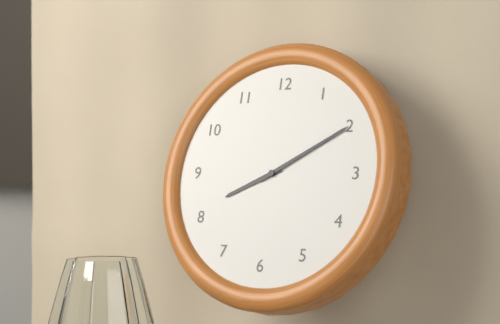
8:10
